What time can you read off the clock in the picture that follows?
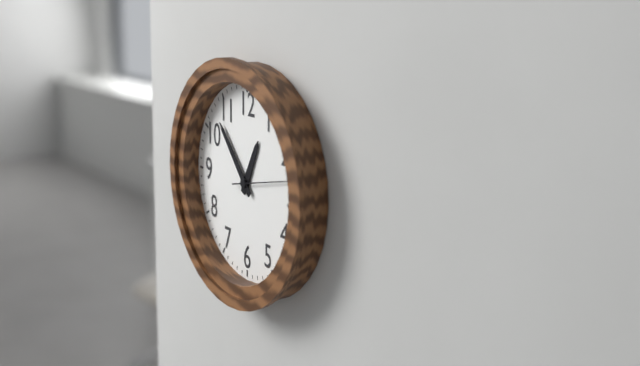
12:53:13
